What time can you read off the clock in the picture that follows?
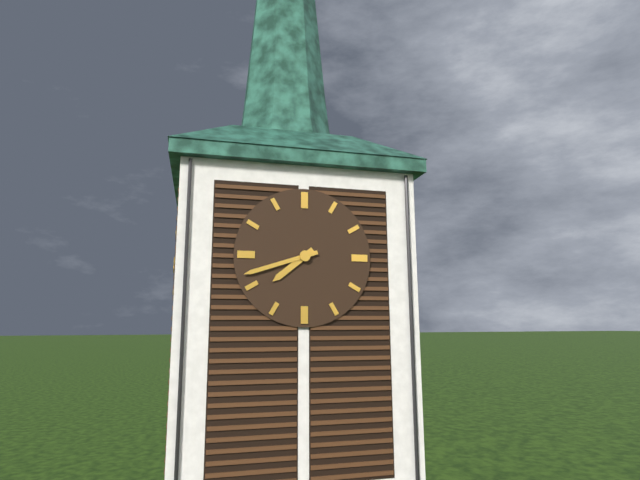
7:42
